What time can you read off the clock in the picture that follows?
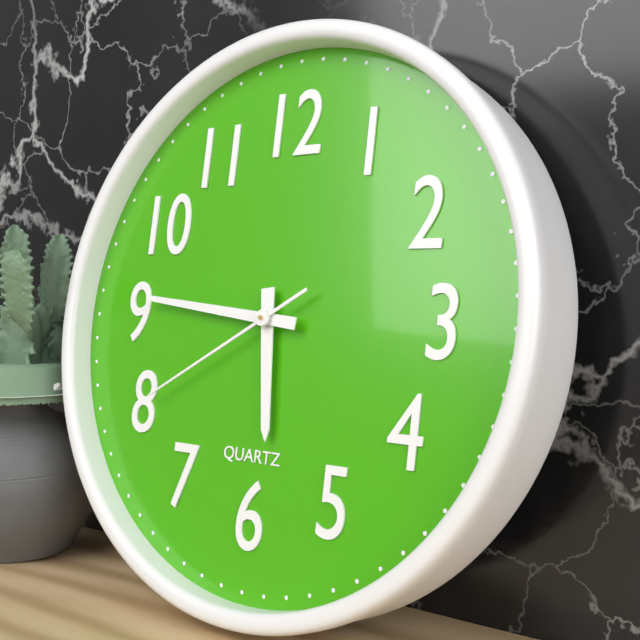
5:46:40
